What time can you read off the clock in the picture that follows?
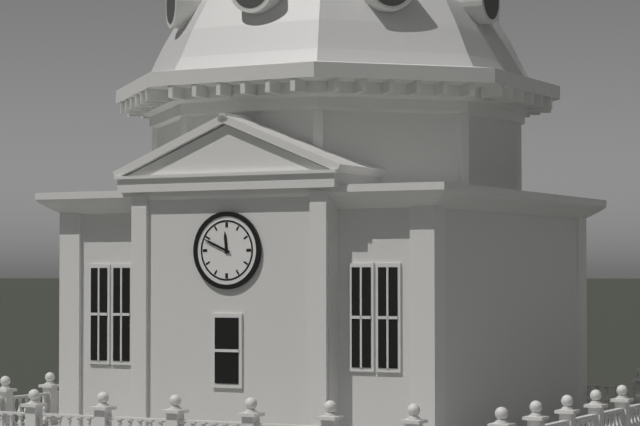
11:49
